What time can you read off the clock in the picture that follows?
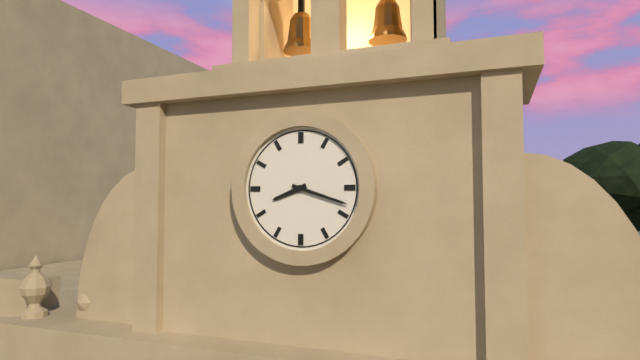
8:18
